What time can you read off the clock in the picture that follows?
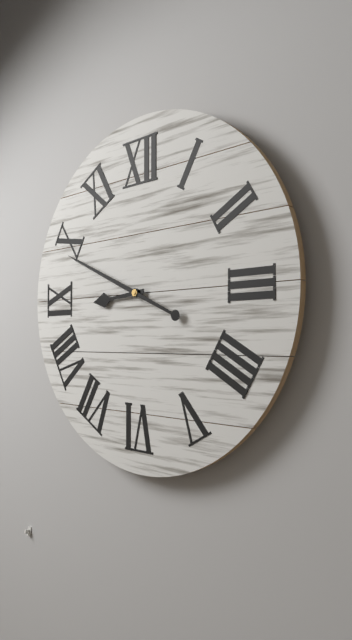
8:49
